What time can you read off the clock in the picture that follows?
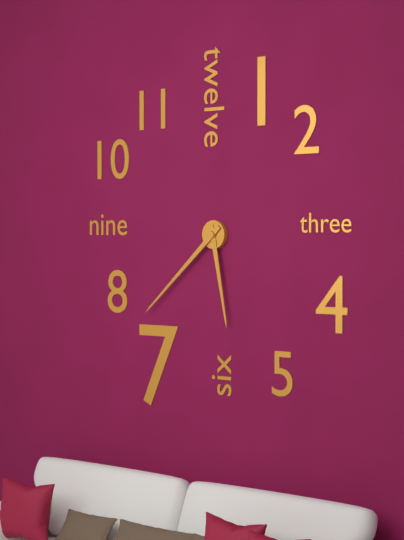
5:38
